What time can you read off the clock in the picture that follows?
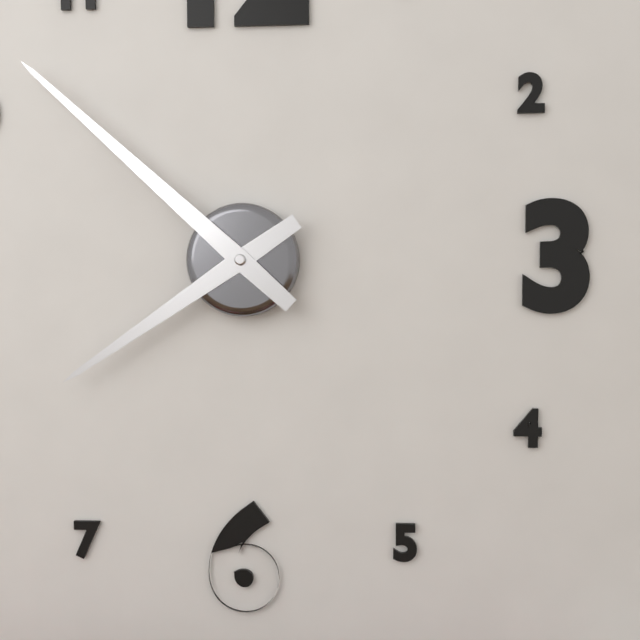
7:52
